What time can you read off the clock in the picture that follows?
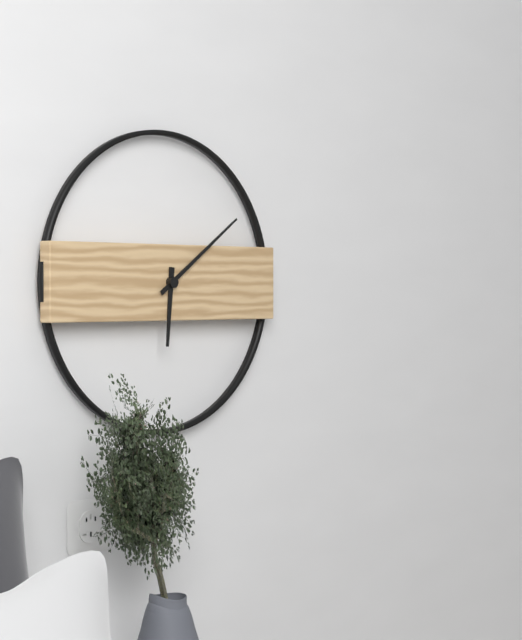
6:09
